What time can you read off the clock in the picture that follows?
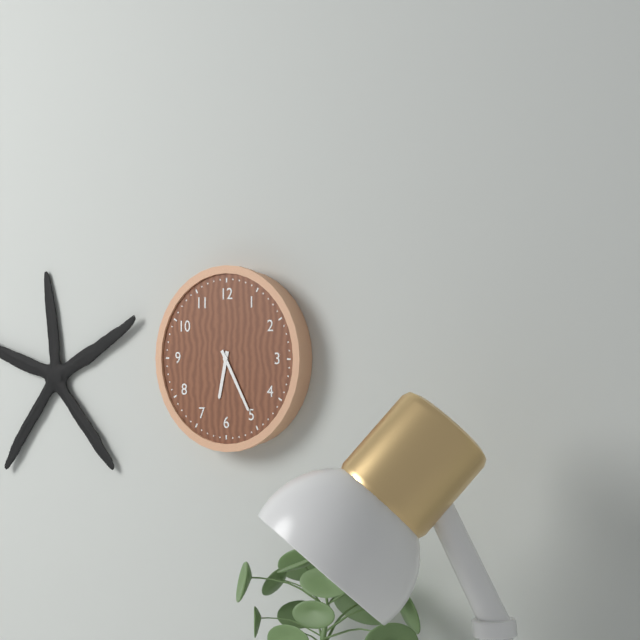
6:25
